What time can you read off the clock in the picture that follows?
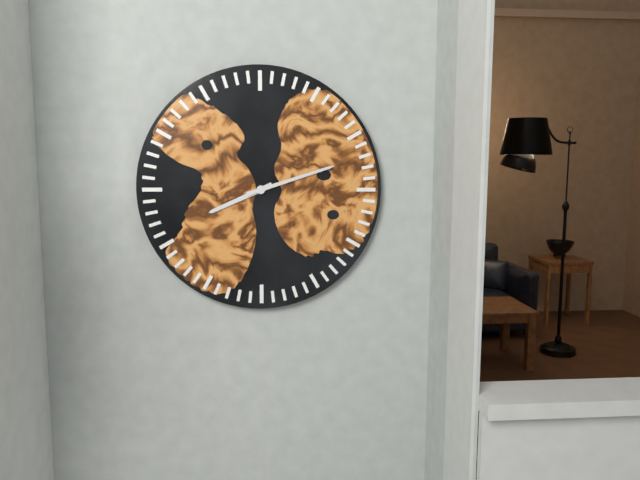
8:12
